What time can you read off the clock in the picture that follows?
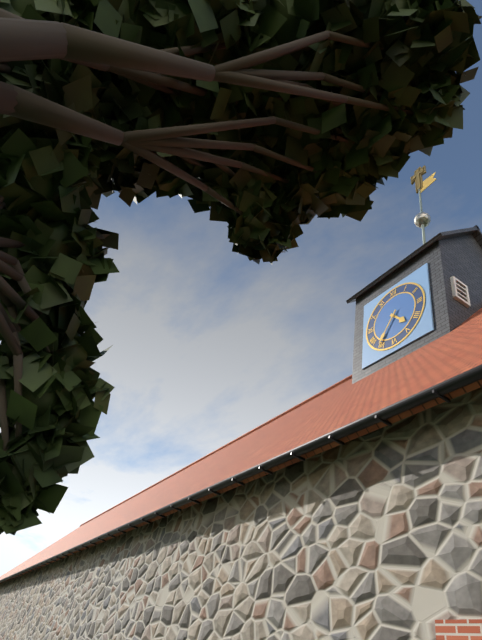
4:36
